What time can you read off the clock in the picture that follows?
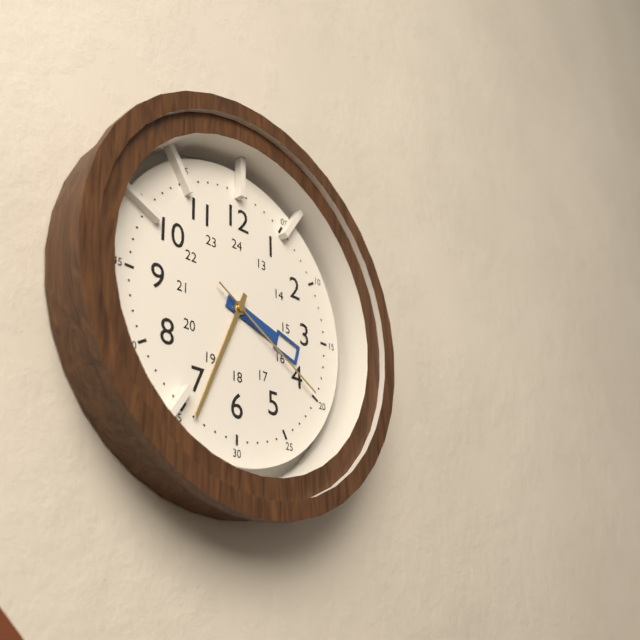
3:34:20
